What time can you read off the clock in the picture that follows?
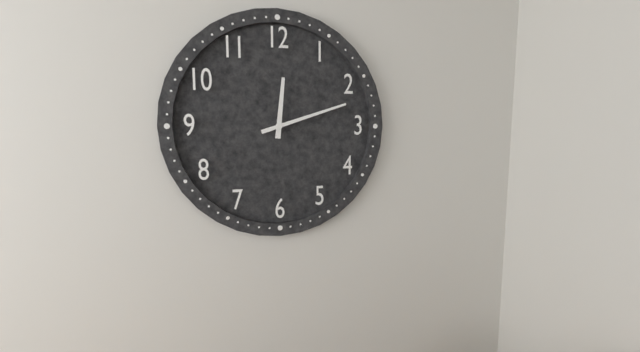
12:12
